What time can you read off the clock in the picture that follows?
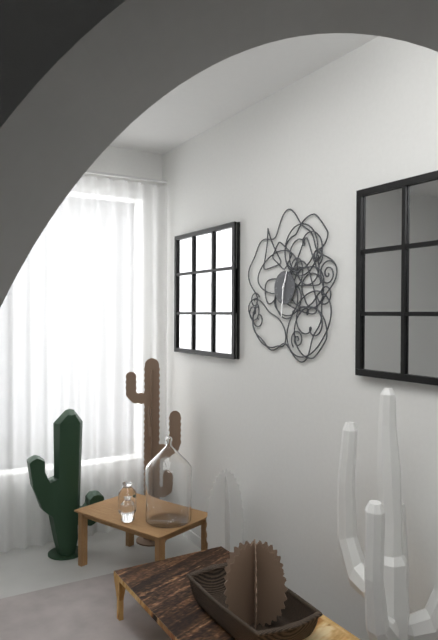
12:31
